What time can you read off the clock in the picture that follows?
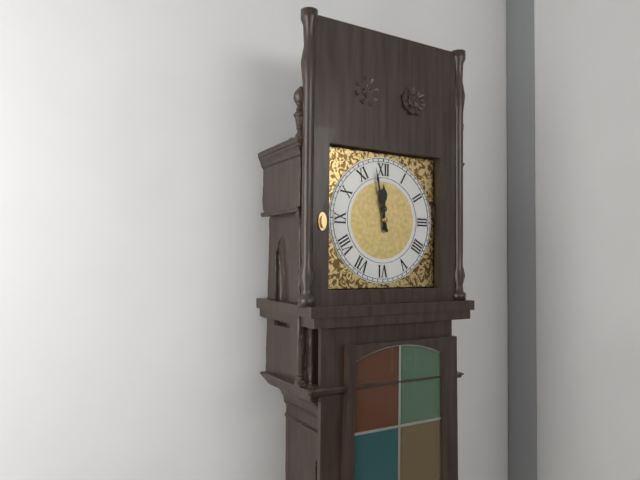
11:58
